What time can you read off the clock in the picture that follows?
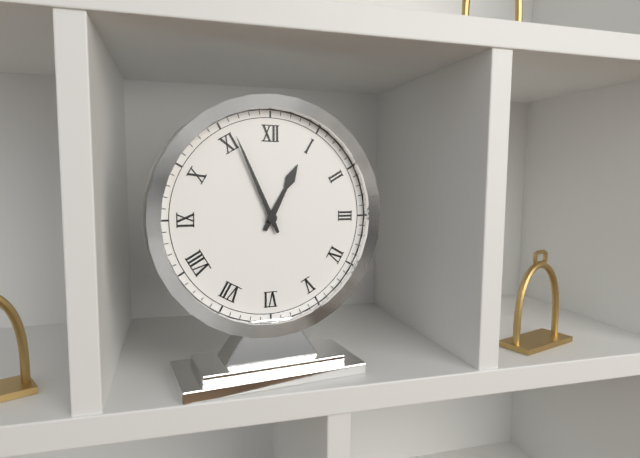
12:56
